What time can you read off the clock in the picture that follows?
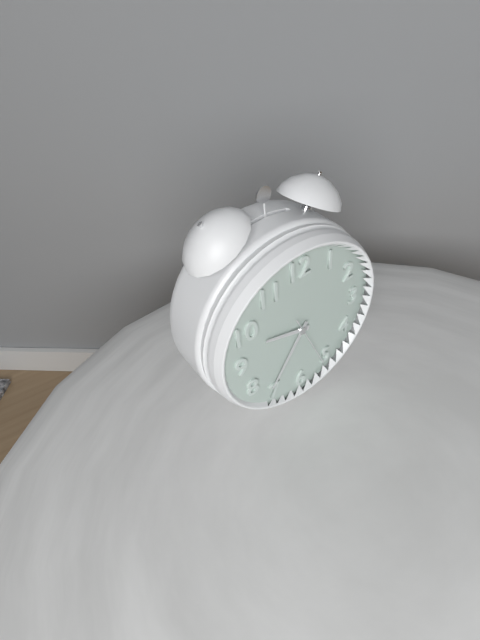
9:36:26
